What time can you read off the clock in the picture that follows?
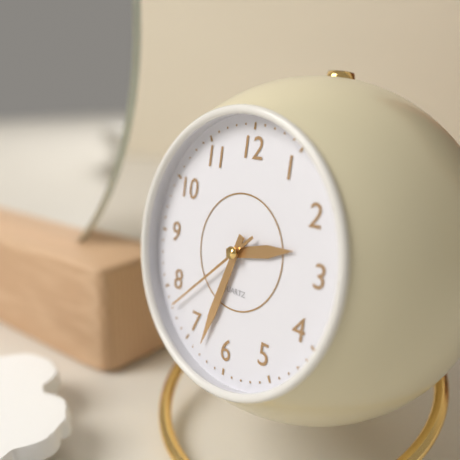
2:33:38
